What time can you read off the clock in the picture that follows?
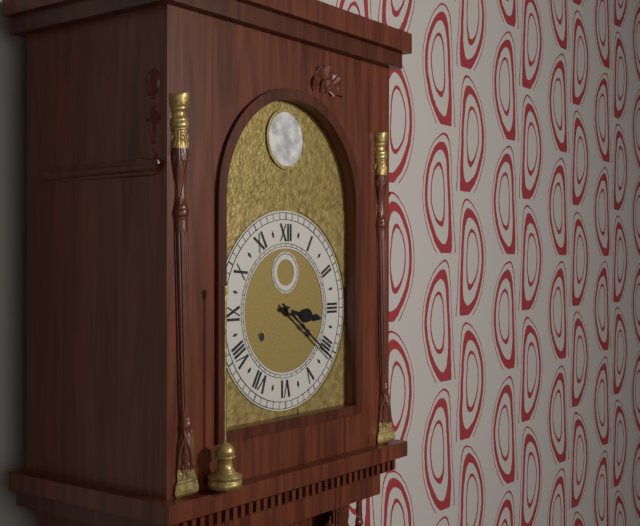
3:21
